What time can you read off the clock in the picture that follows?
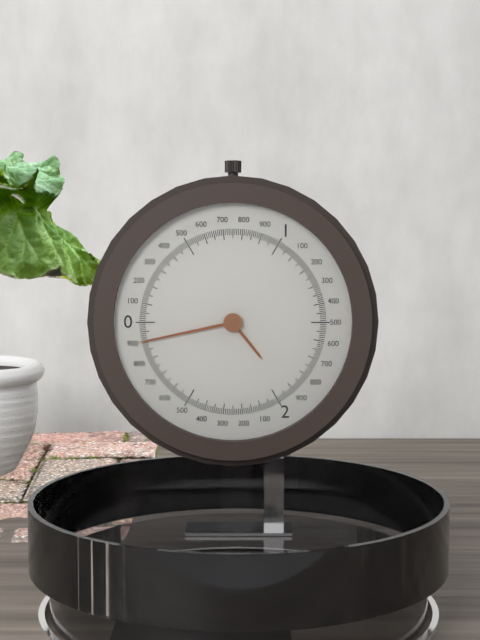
4:43
